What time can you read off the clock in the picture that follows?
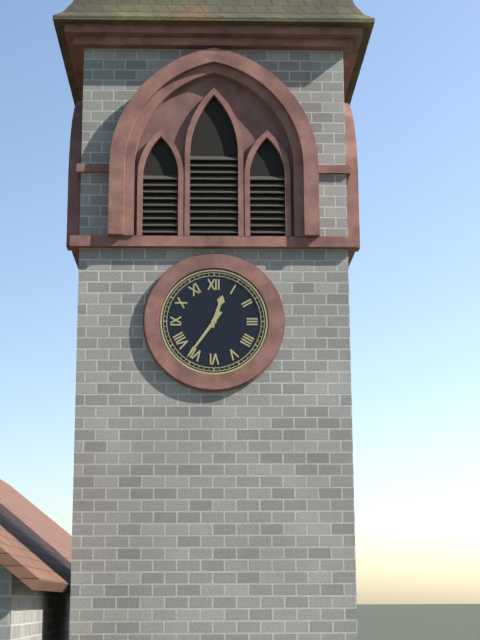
12:36
